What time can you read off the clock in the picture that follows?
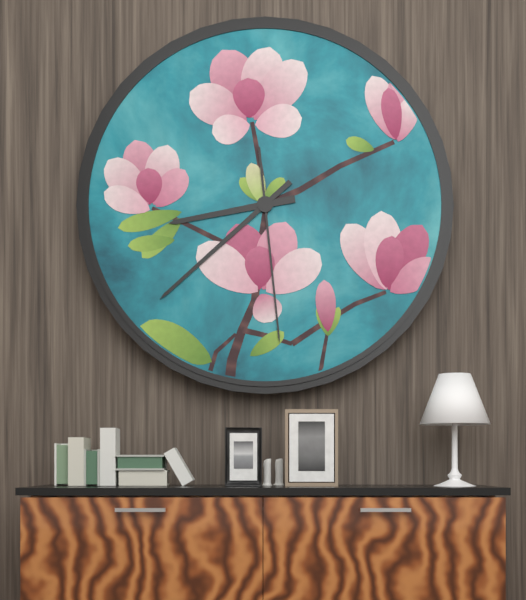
8:38:29
